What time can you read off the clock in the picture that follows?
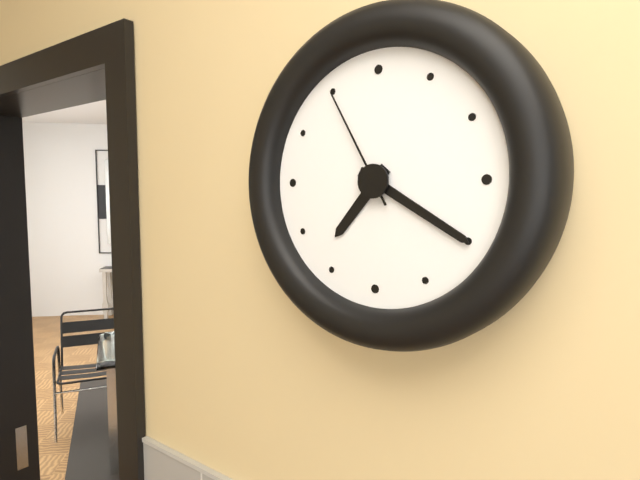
7:20:55
